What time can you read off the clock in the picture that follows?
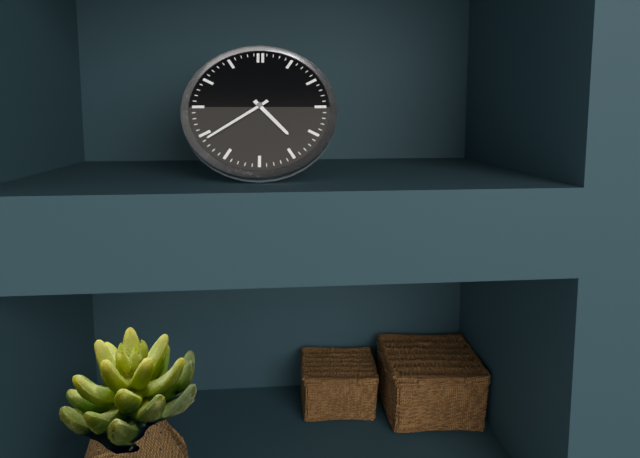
4:39
